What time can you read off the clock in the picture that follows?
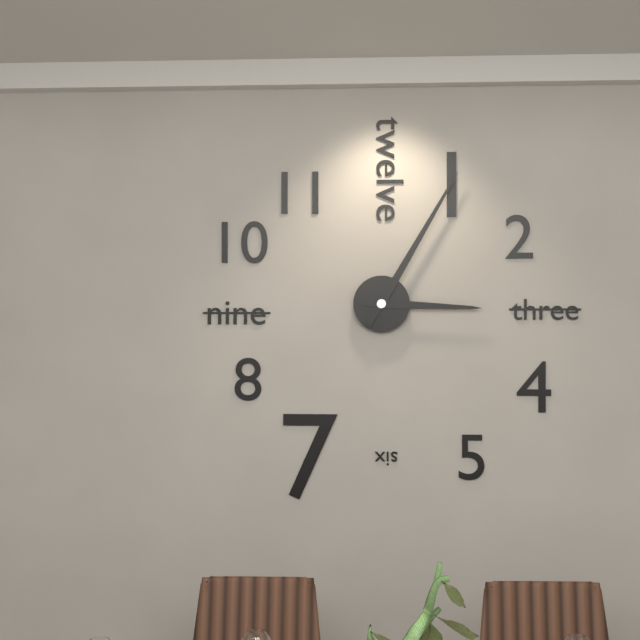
3:05
